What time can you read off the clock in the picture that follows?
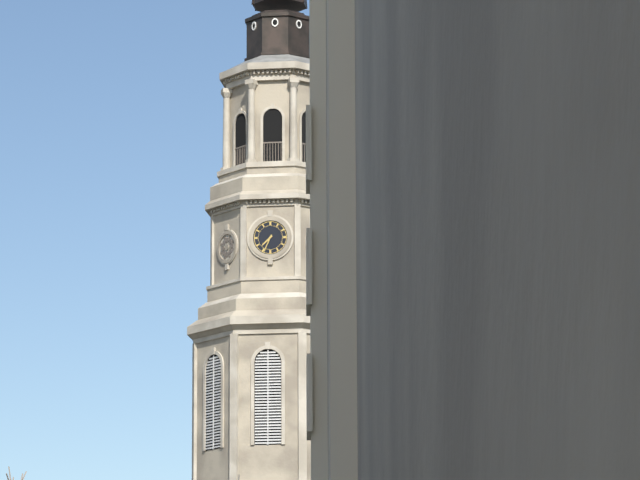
7:34
